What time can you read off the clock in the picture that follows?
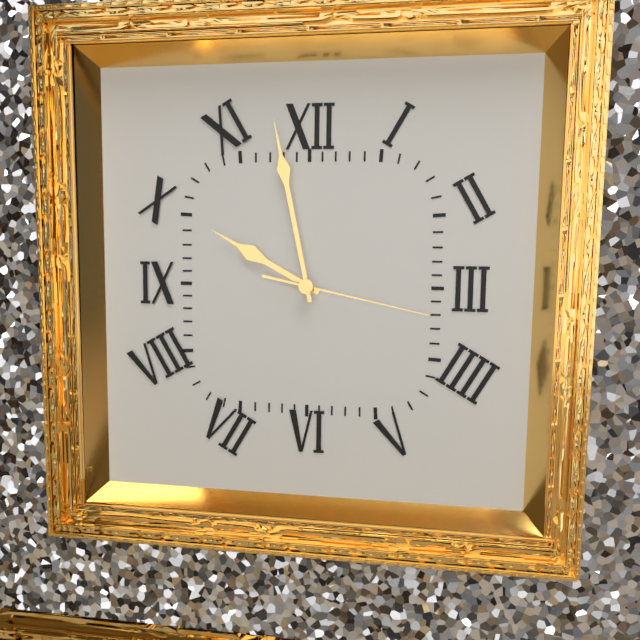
9:58:17
